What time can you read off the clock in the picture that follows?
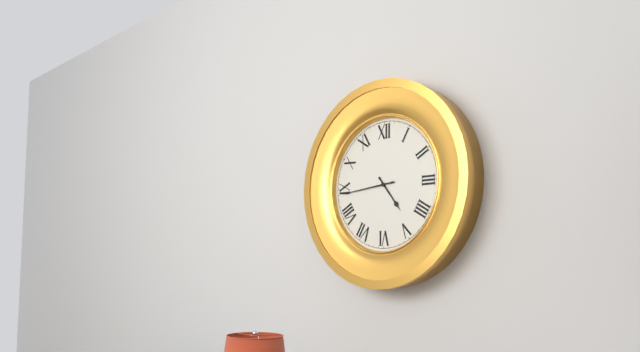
4:44
